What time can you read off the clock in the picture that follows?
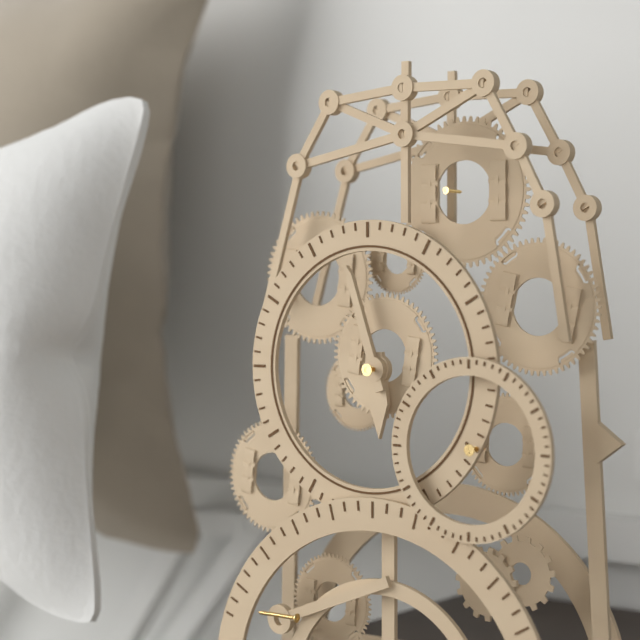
5:57
